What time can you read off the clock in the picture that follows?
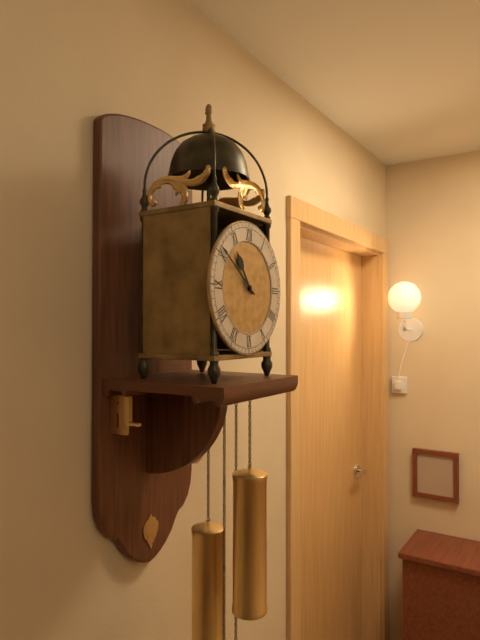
10:51
